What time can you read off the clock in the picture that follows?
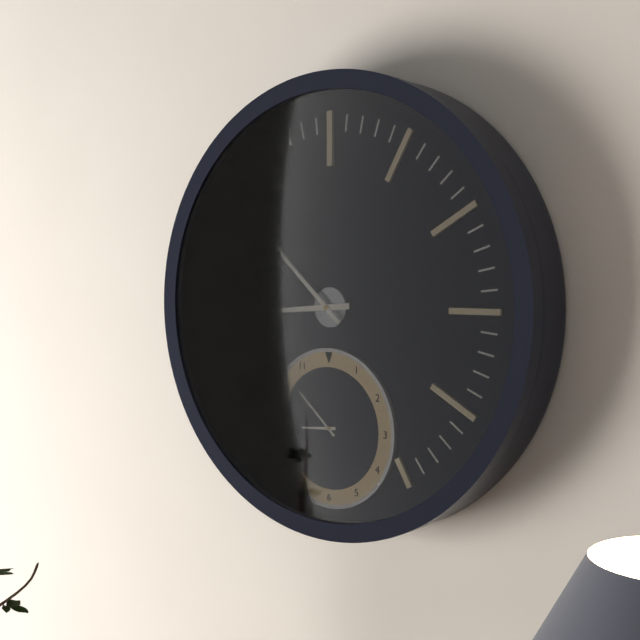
8:52
